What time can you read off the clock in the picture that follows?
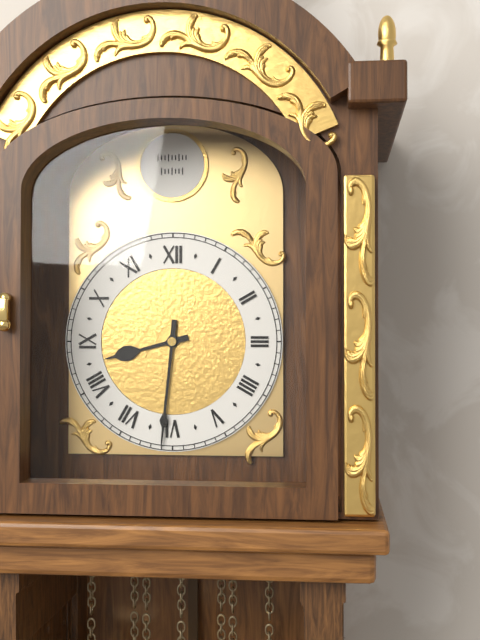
8:31
